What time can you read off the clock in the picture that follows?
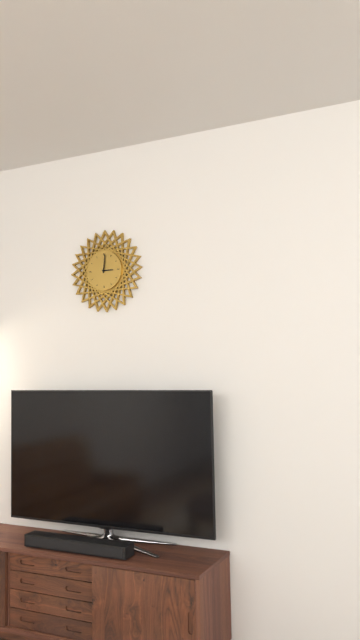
3:01
